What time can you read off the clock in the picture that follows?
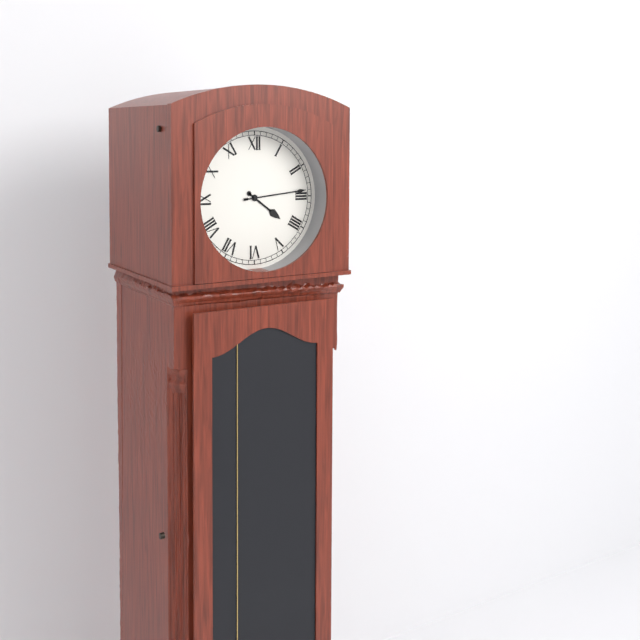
4:14
